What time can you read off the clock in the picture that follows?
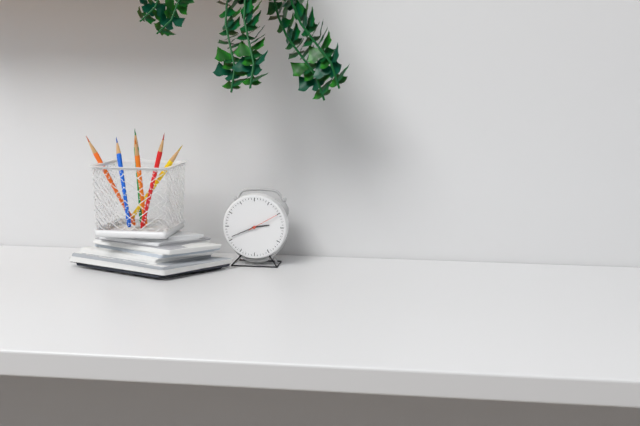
2:41
